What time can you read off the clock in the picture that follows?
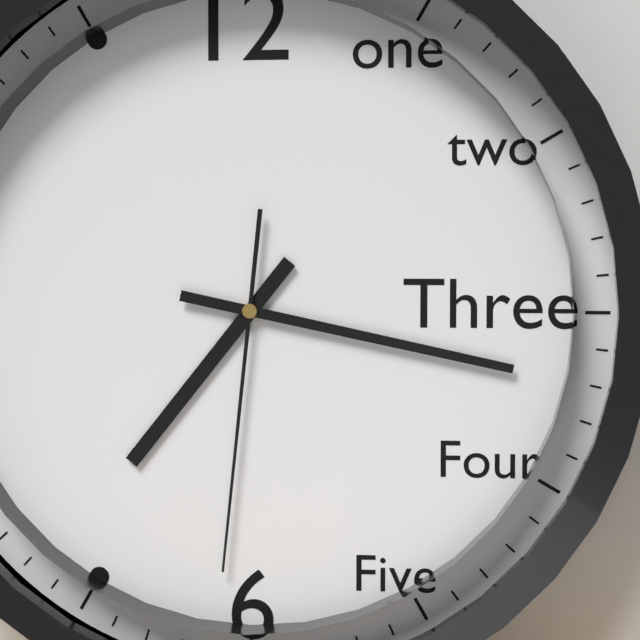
7:17:31
